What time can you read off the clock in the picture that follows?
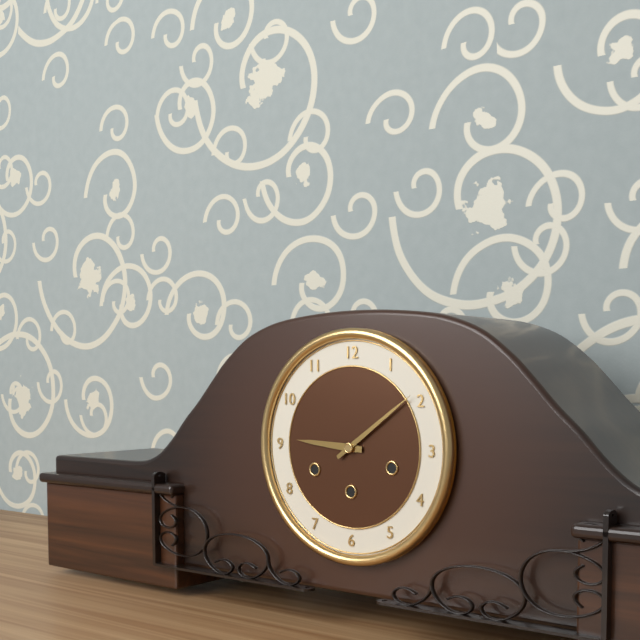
9:09
